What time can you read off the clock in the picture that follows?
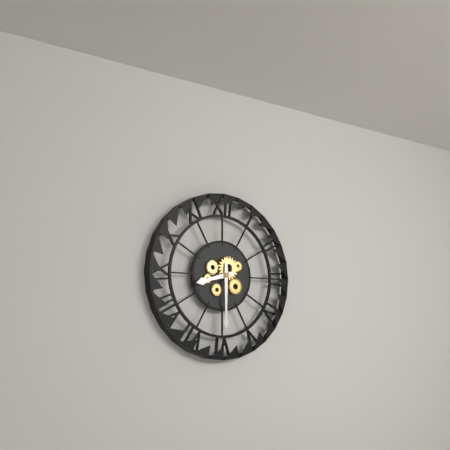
8:30
